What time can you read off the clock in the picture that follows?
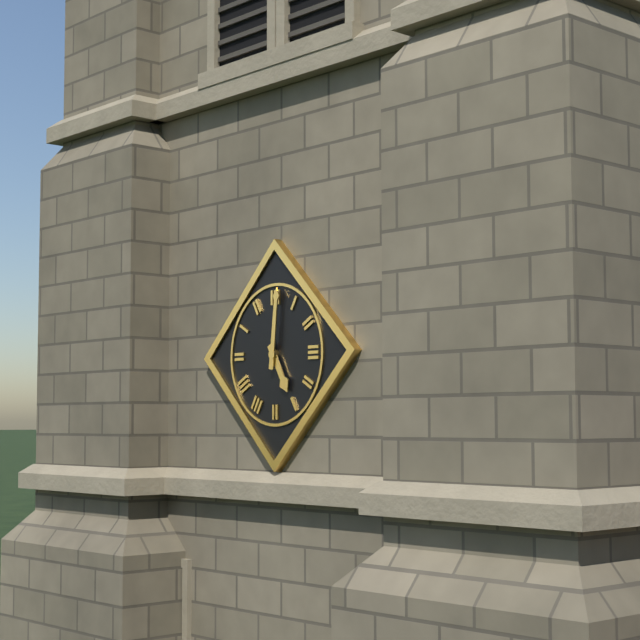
5:01
